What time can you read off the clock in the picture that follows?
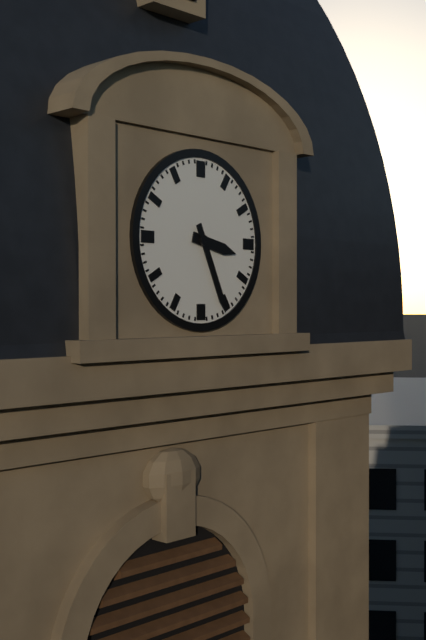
3:26
